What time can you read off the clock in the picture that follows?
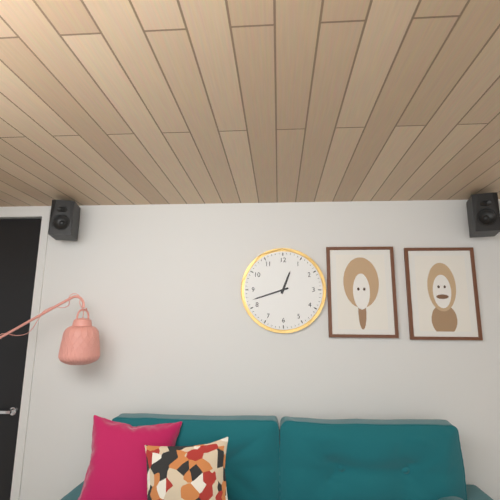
12:42
